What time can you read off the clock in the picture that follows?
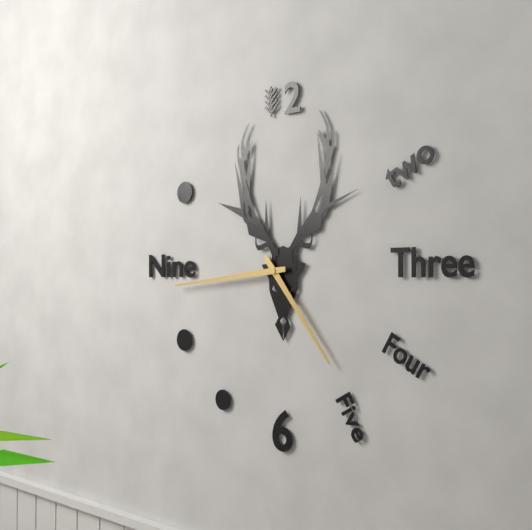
4:44
